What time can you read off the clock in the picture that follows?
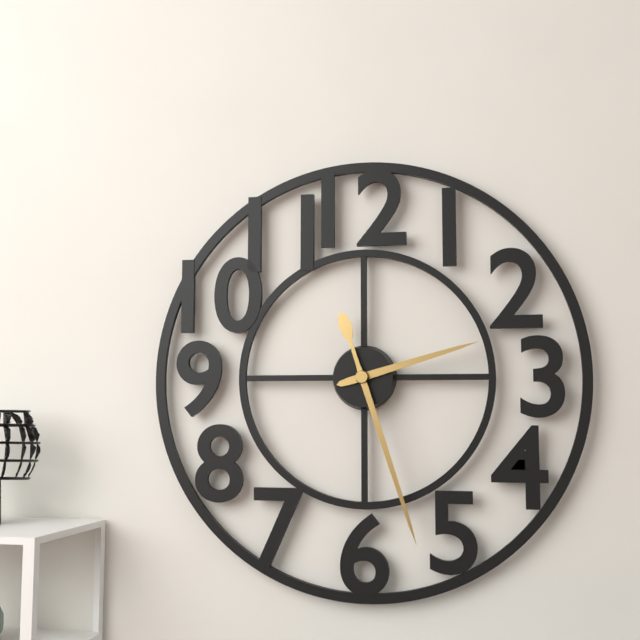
2:27
